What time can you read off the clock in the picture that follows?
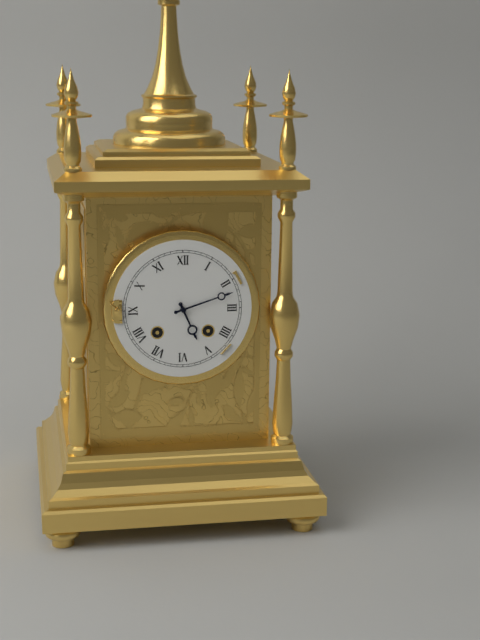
5:12
